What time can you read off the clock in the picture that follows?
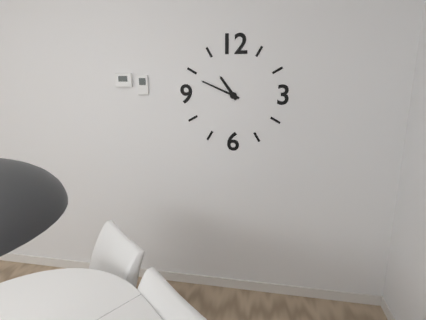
10:49
